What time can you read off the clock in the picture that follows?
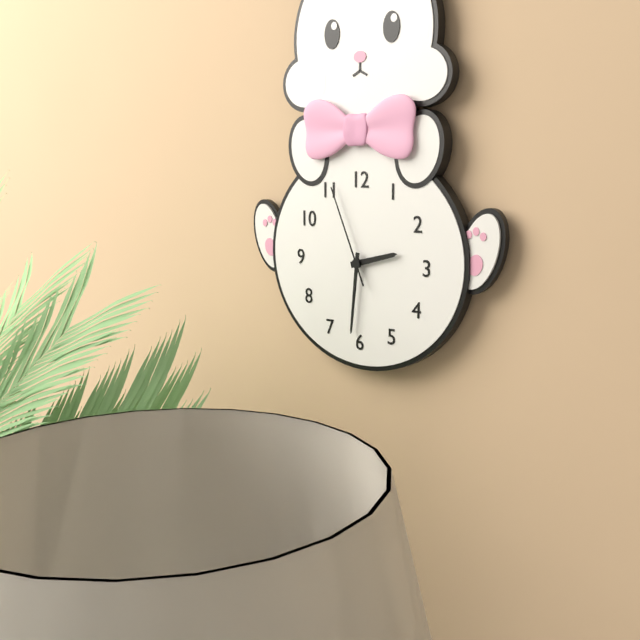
2:31:56
